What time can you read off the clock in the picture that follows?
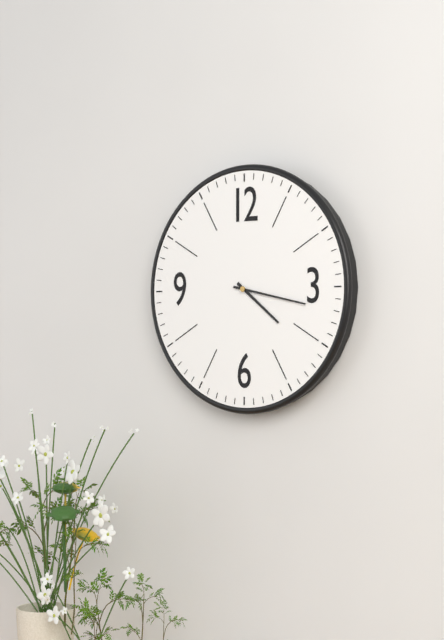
4:17
